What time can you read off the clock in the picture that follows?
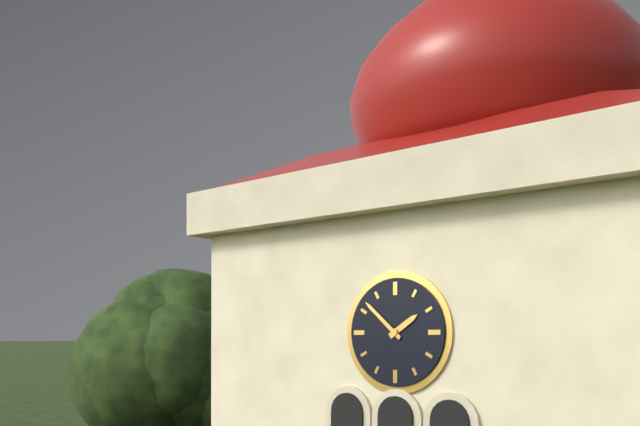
1:52
